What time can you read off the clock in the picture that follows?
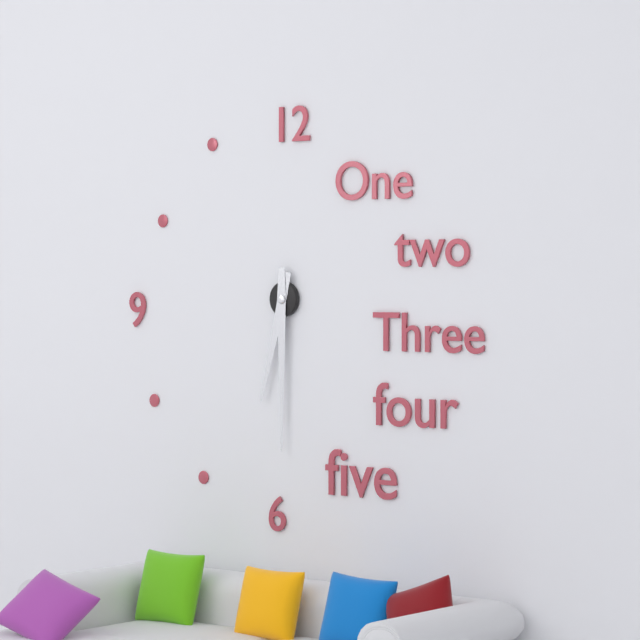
6:30
